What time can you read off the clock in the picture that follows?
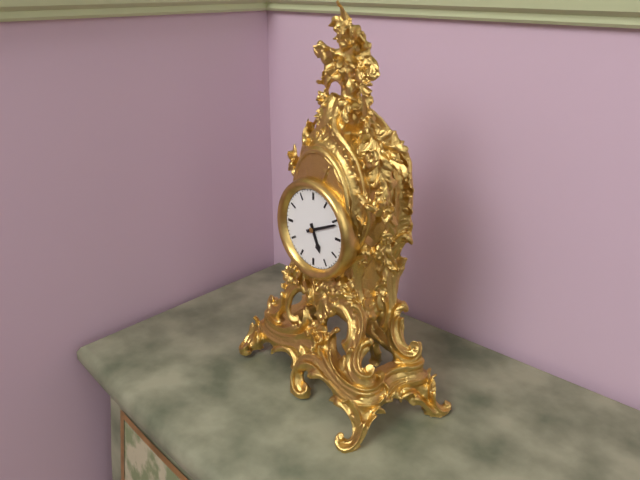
5:11
